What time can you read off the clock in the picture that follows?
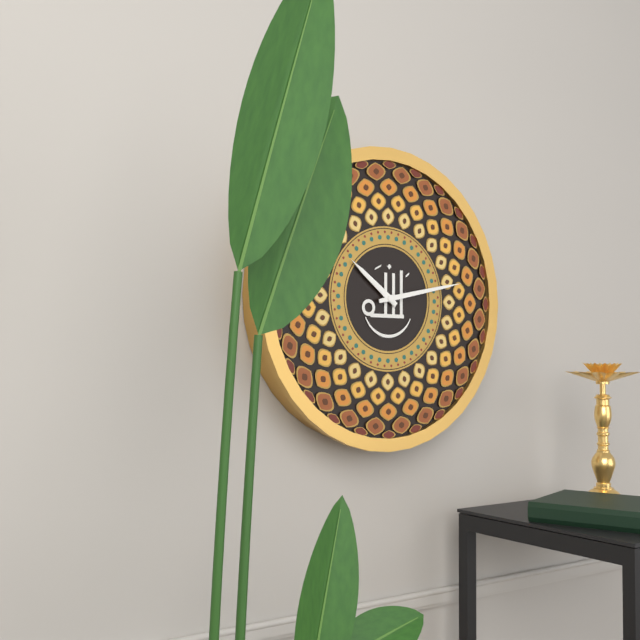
10:13
